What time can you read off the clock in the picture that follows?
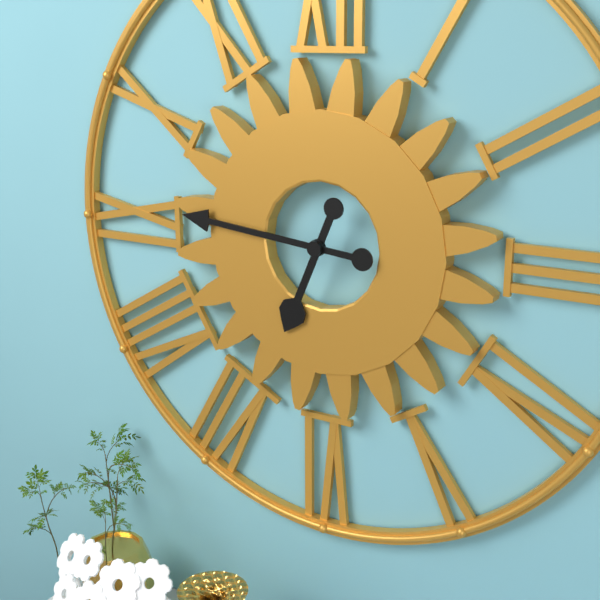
6:46
